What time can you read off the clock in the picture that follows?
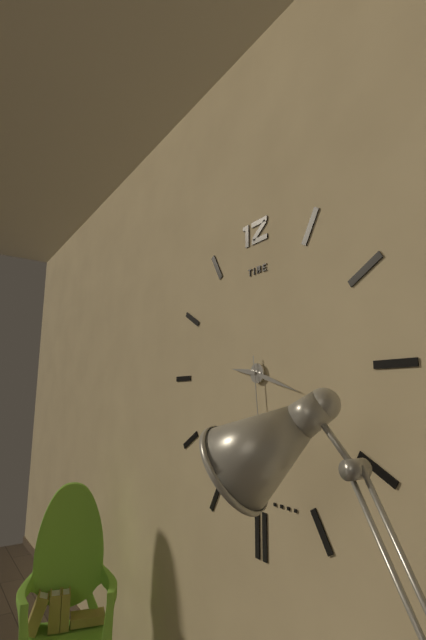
9:18
